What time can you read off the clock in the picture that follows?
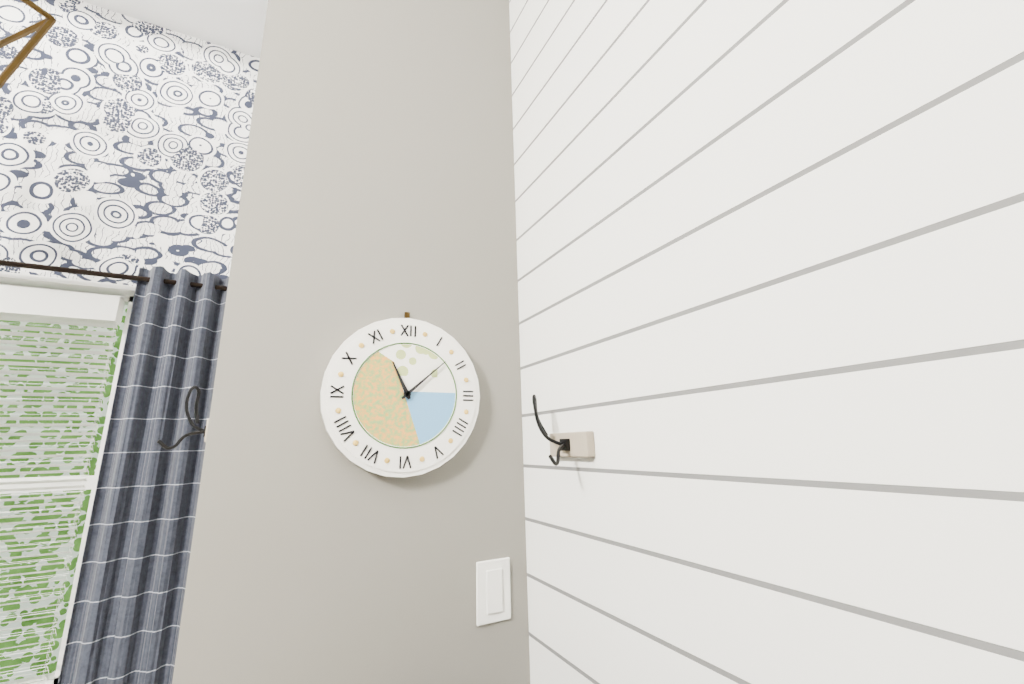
11:08
